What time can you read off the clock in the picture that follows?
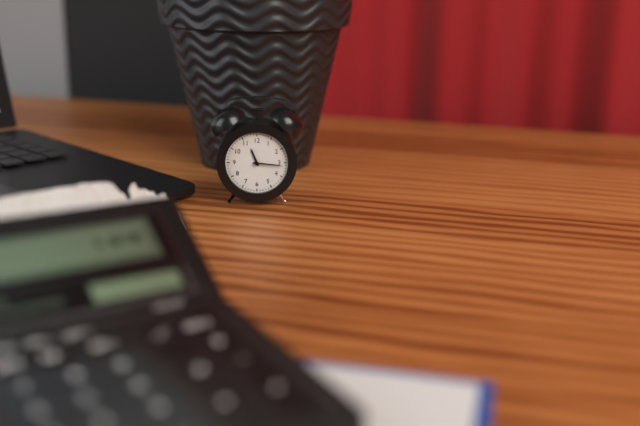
11:16
